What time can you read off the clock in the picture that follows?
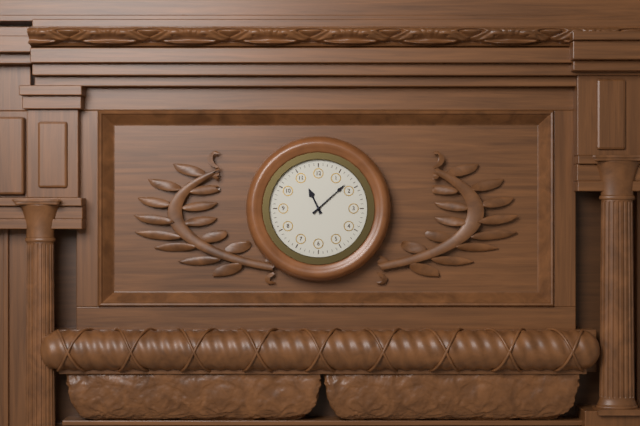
11:08
